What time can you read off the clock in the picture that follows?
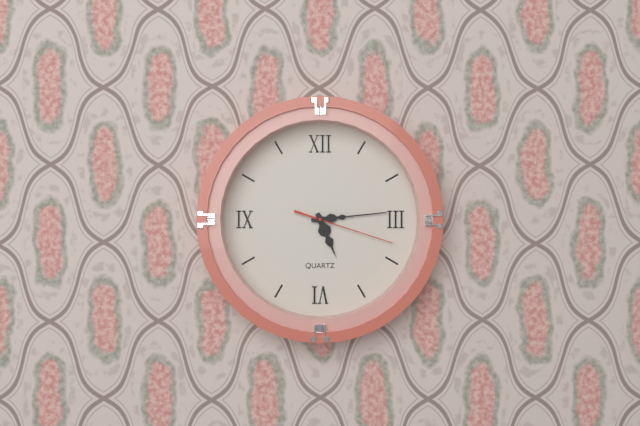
5:14:18
